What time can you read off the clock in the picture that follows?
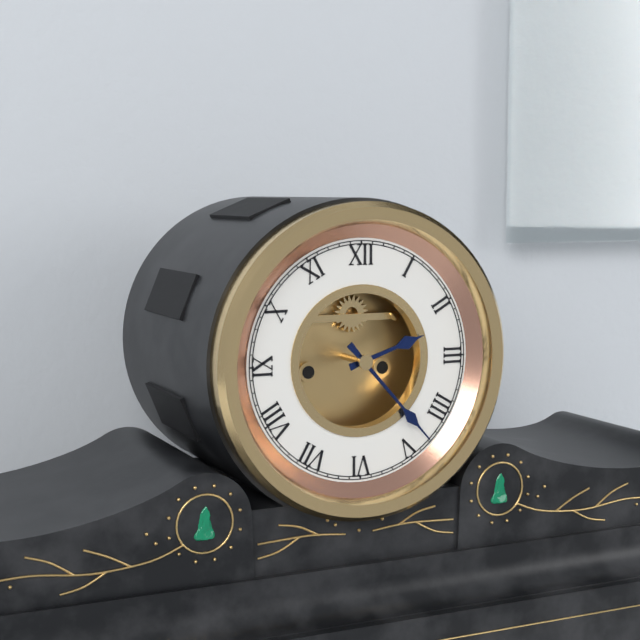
2:23
